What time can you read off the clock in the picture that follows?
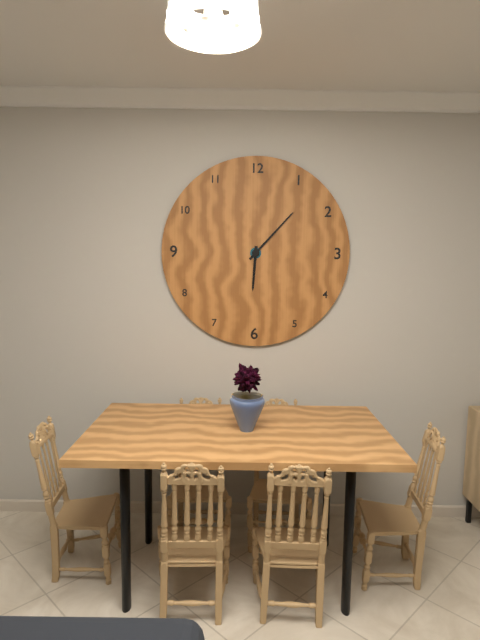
6:07
